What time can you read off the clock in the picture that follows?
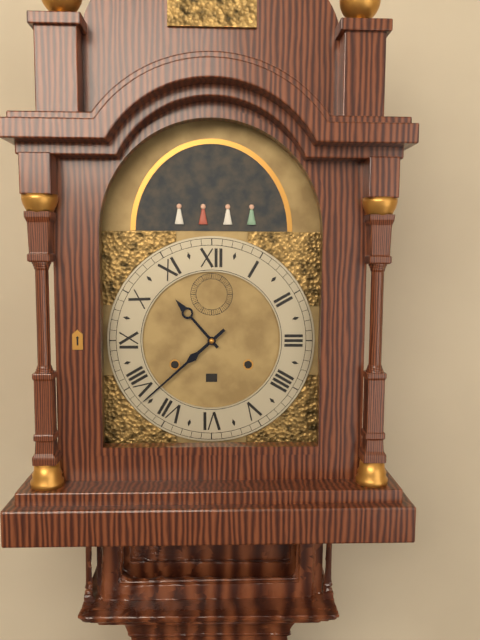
10:38
